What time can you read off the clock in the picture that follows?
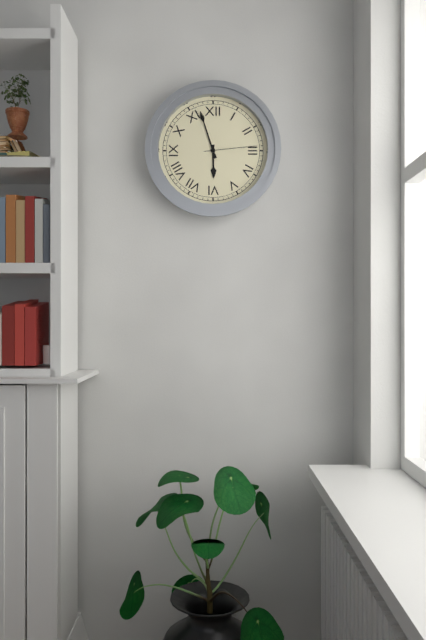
5:57:14
